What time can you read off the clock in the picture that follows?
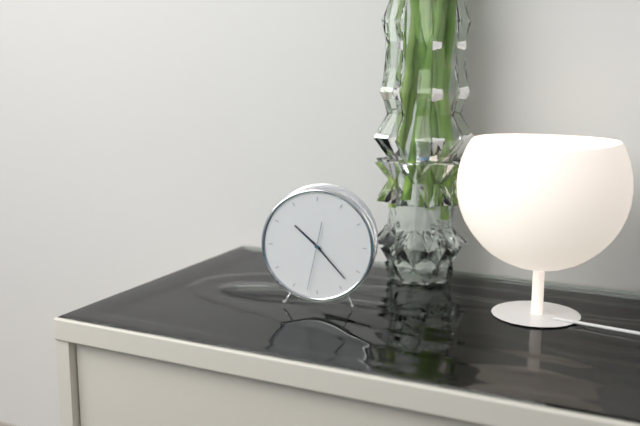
10:23:32
